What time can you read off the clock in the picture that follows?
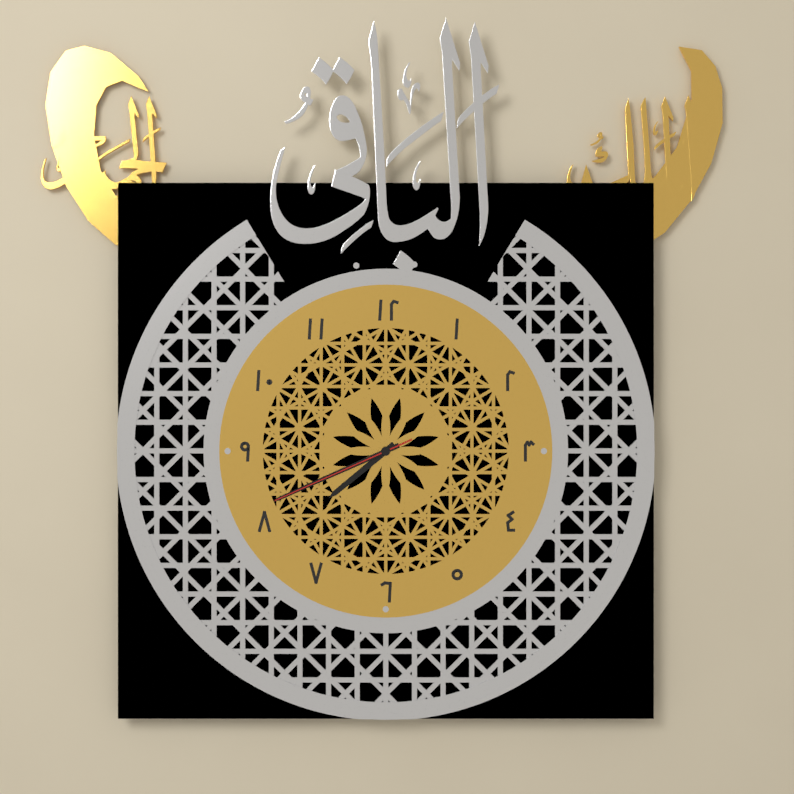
7:41:41
